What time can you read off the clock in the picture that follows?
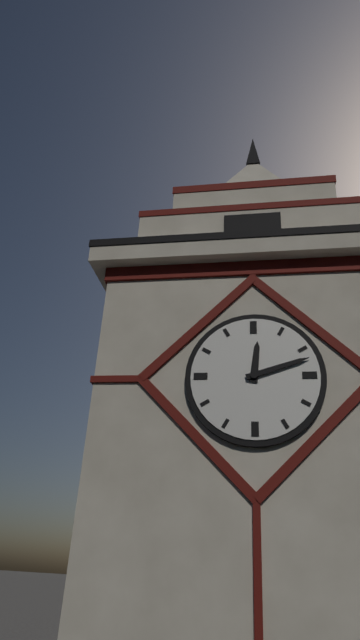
12:12
